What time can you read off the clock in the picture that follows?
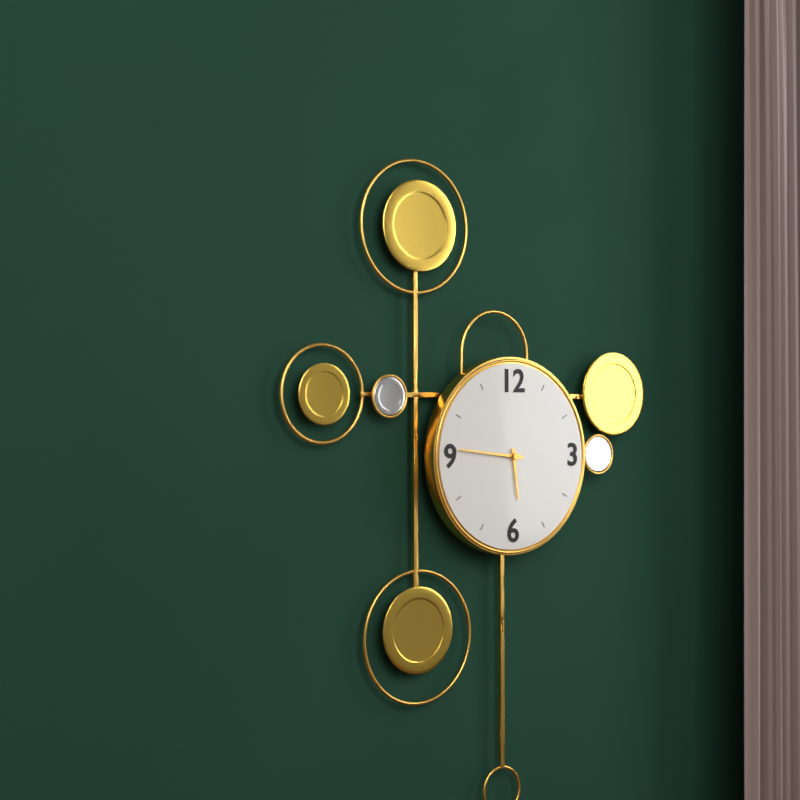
5:46
